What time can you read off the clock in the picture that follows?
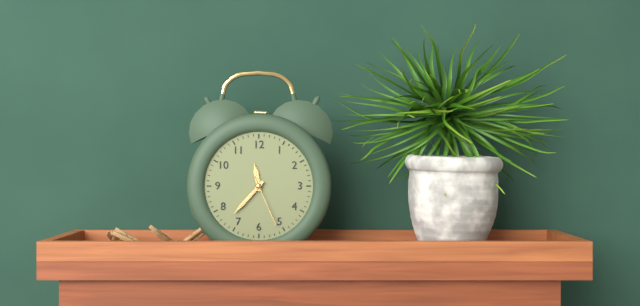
11:37:26
